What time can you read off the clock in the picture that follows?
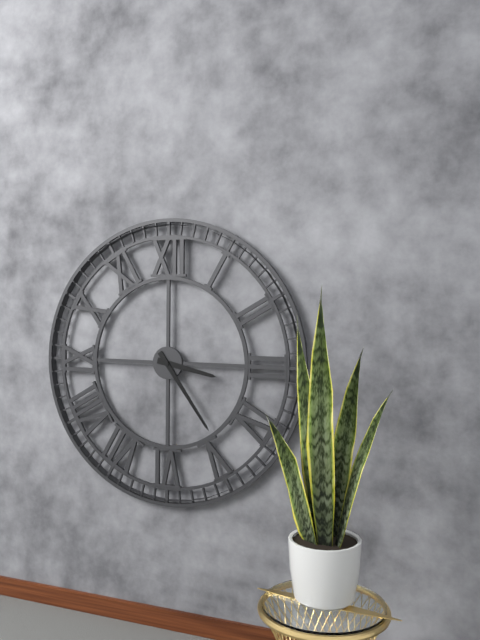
3:24
